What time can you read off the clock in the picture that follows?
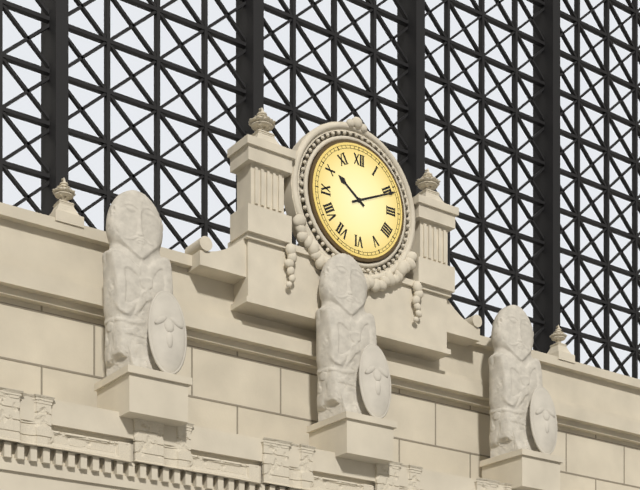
10:11
